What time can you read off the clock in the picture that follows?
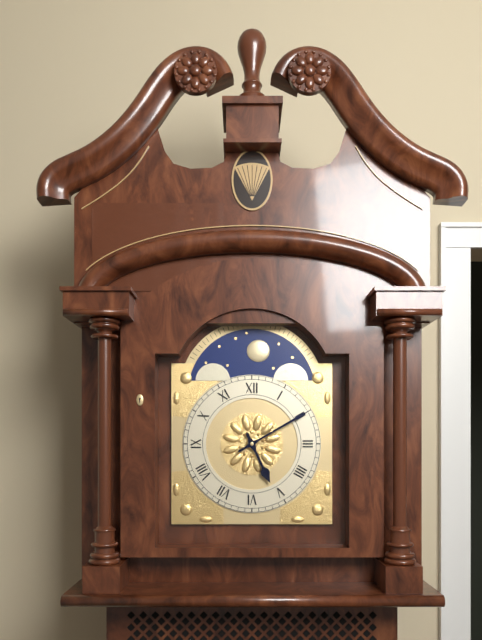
5:10
